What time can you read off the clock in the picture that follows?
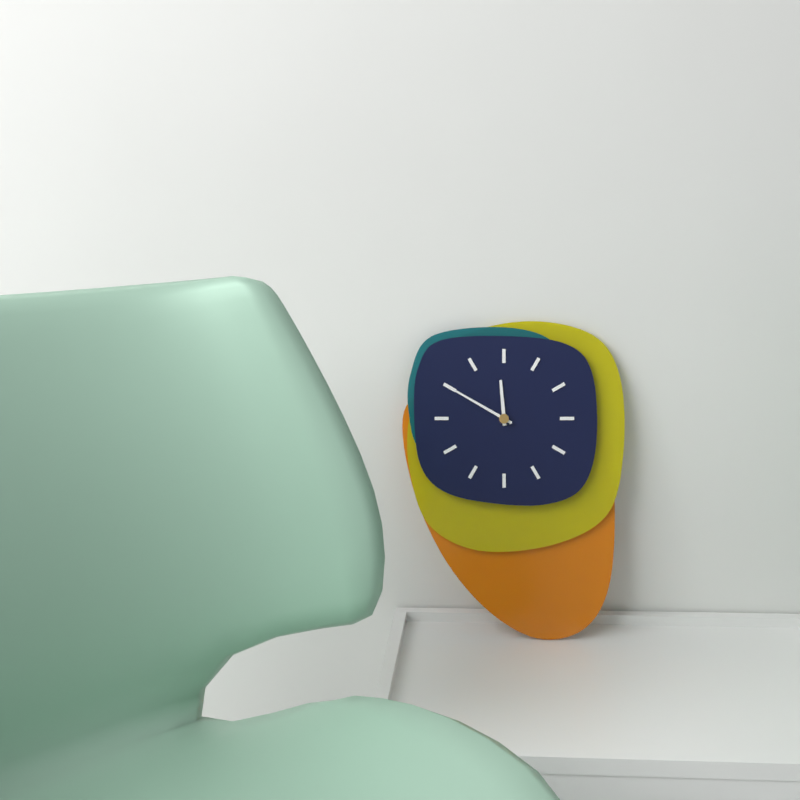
11:50
